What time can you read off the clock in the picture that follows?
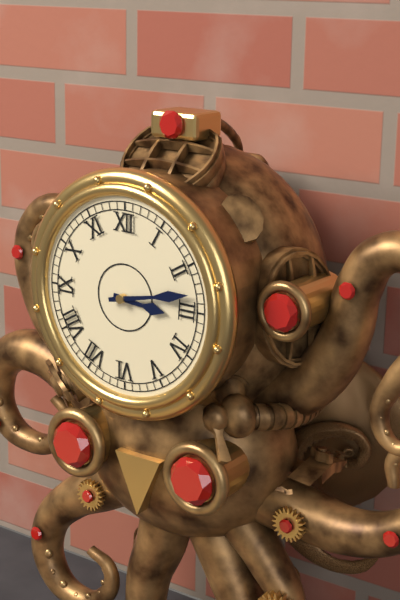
3:13
